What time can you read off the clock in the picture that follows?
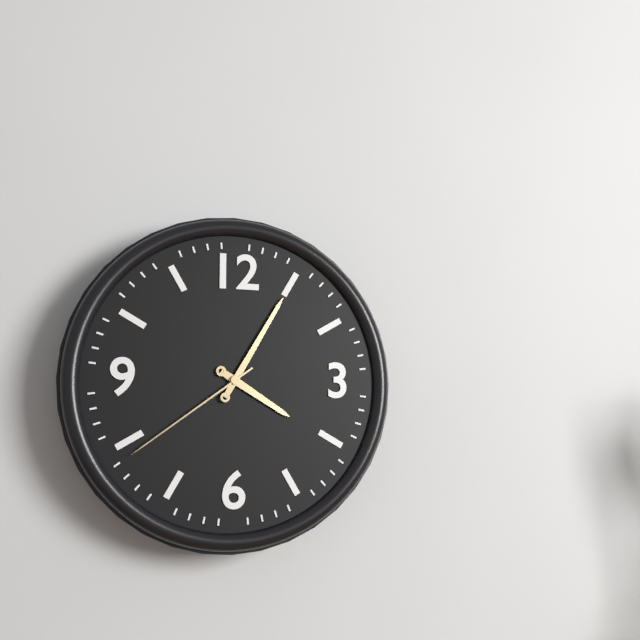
4:05:39
